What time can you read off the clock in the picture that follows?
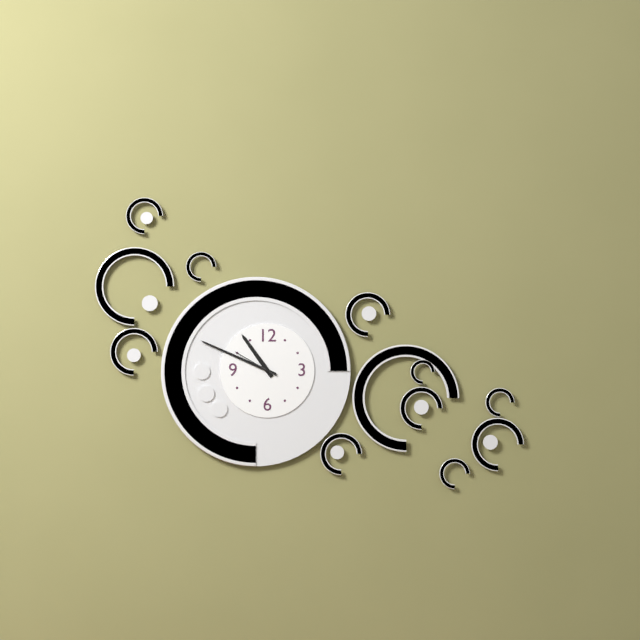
10:49
